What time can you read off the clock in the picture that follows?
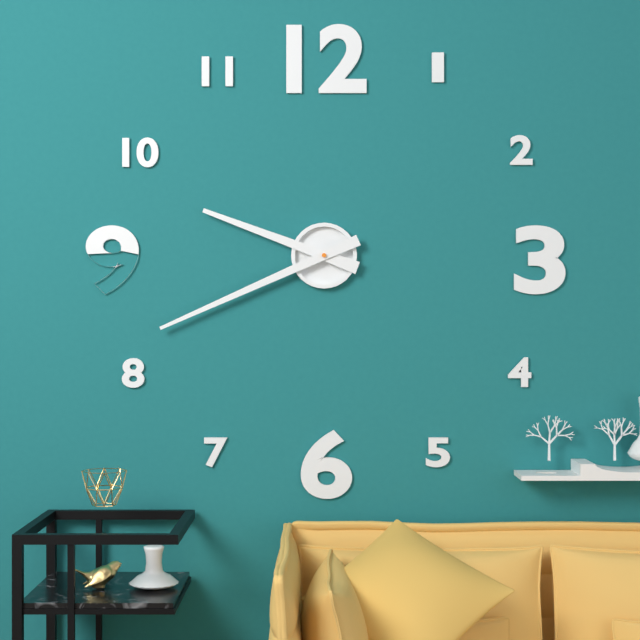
9:41
